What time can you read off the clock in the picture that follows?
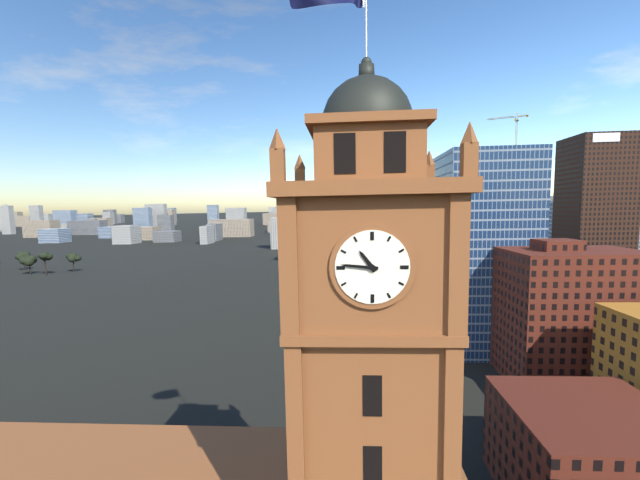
10:46
